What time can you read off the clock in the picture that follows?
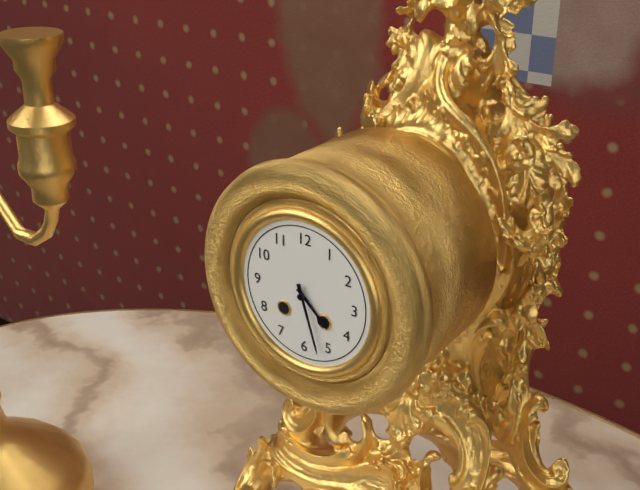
4:27
